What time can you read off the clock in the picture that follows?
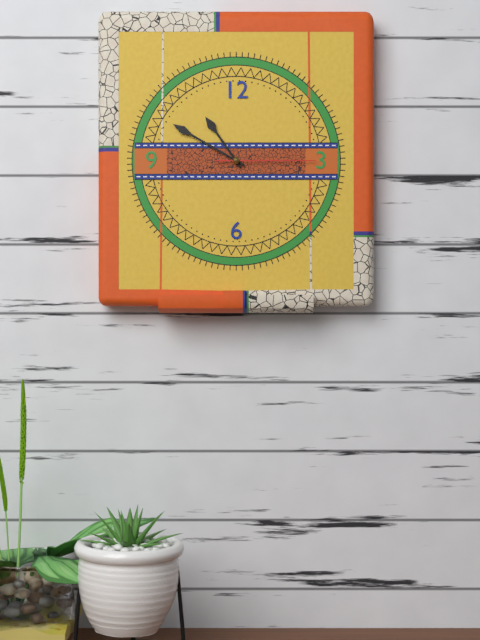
10:50:15
